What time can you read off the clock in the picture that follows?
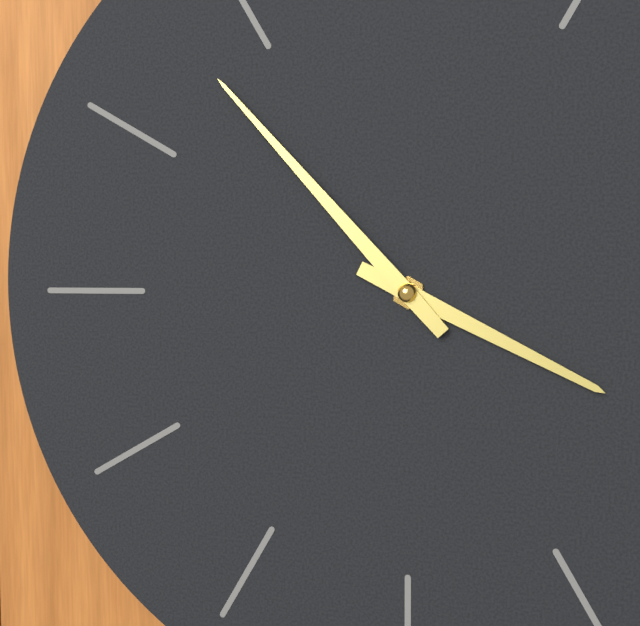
3:53
